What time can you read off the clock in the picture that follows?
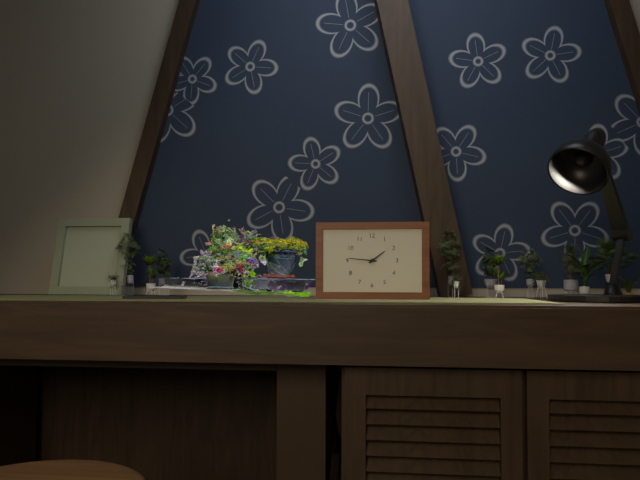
1:46
